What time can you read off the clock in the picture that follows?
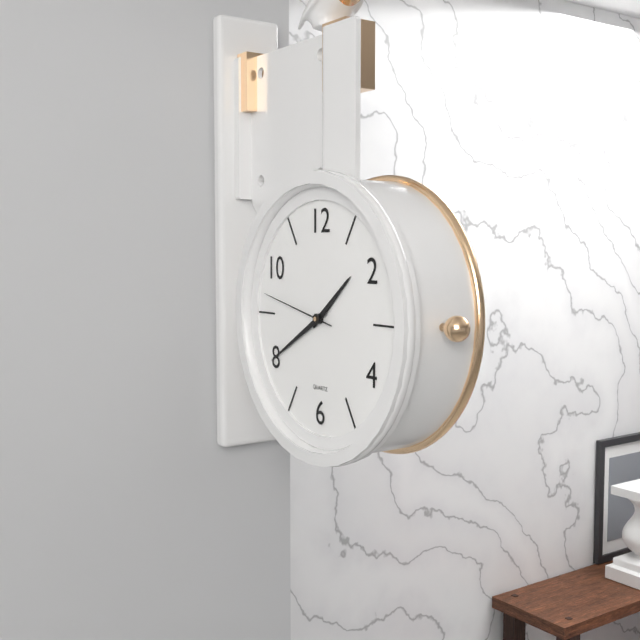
1:40:47
